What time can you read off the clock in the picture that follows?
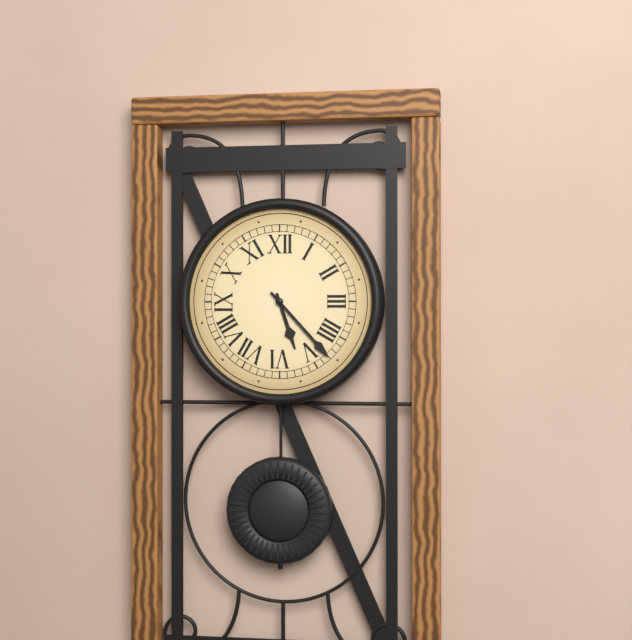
5:23
